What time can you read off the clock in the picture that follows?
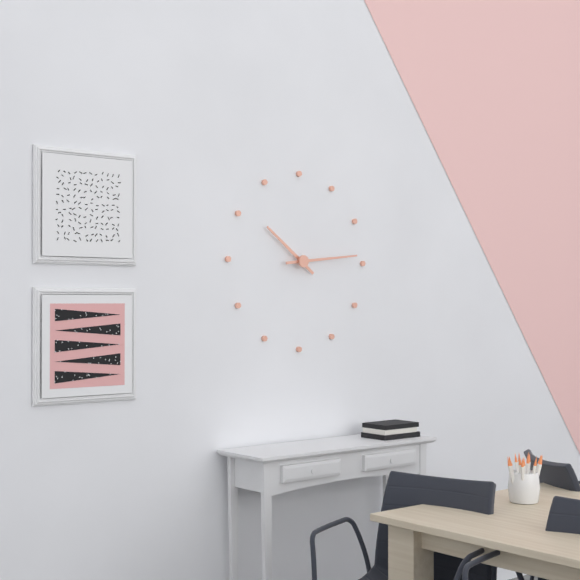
10:14
